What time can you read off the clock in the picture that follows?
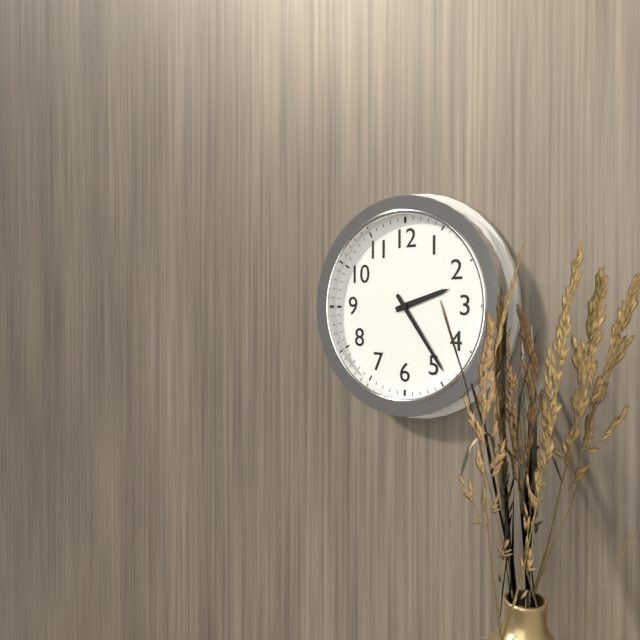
2:24
